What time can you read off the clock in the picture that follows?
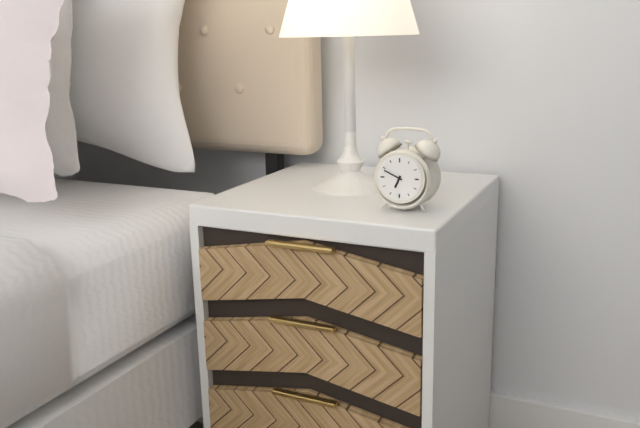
6:49
